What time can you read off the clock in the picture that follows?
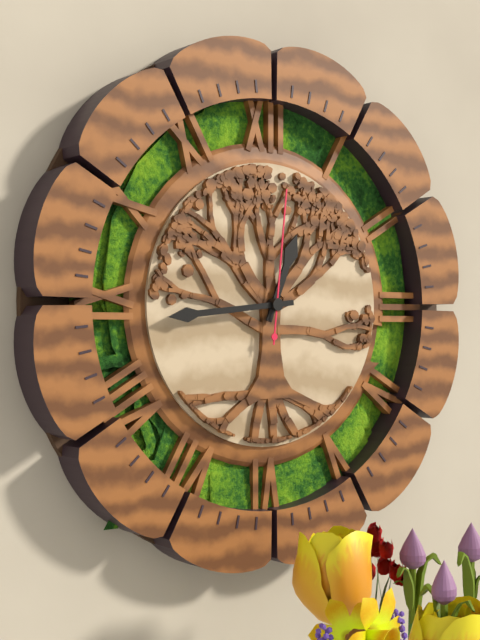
12:44:01
